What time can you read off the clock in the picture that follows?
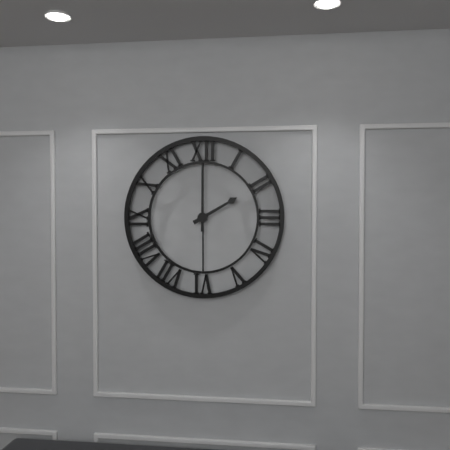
2:00
